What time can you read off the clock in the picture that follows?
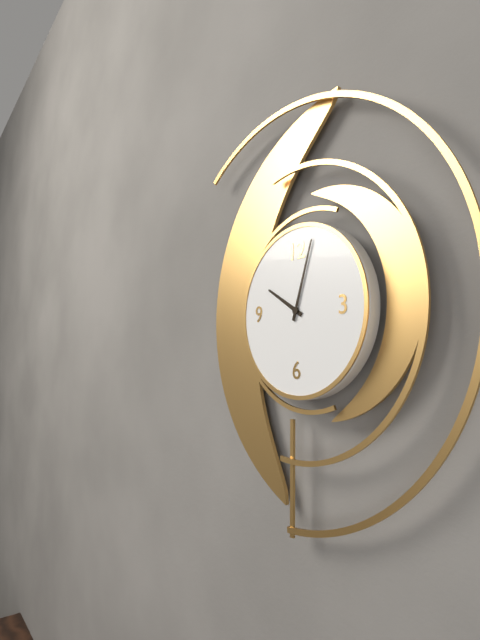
10:03
